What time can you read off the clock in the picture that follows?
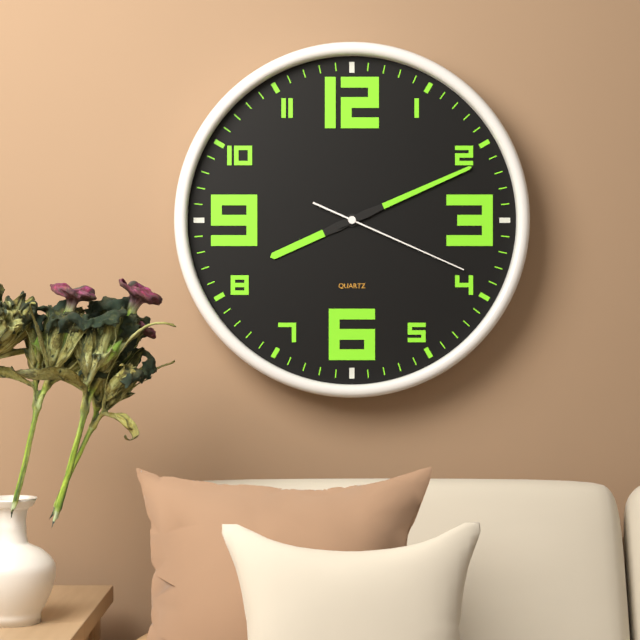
8:11:19
